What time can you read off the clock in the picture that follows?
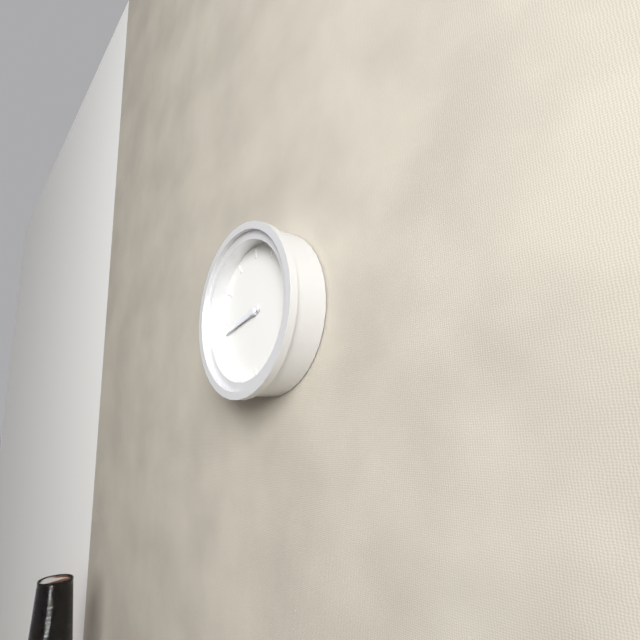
8:43
